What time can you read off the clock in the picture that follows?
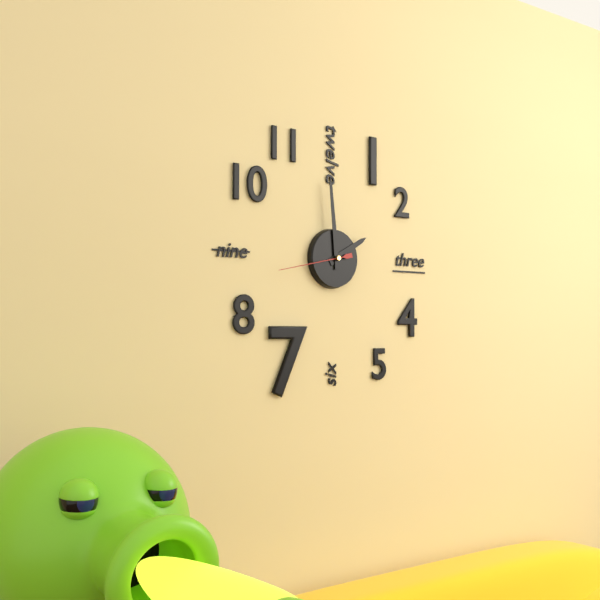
1:59:43
